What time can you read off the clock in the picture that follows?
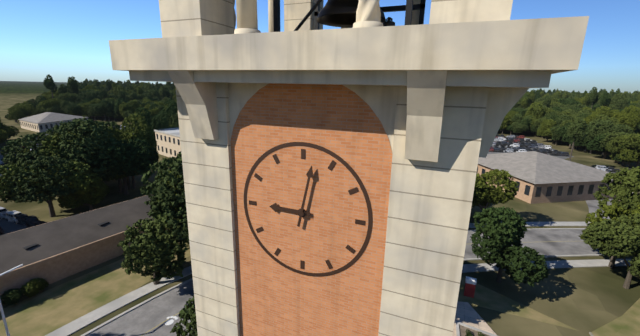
9:02
